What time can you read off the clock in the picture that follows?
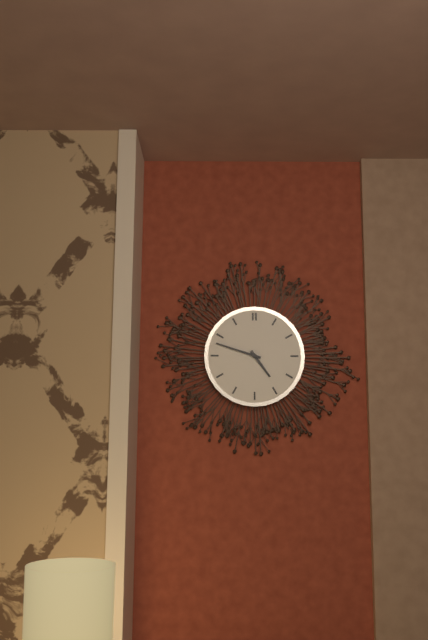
4:48
